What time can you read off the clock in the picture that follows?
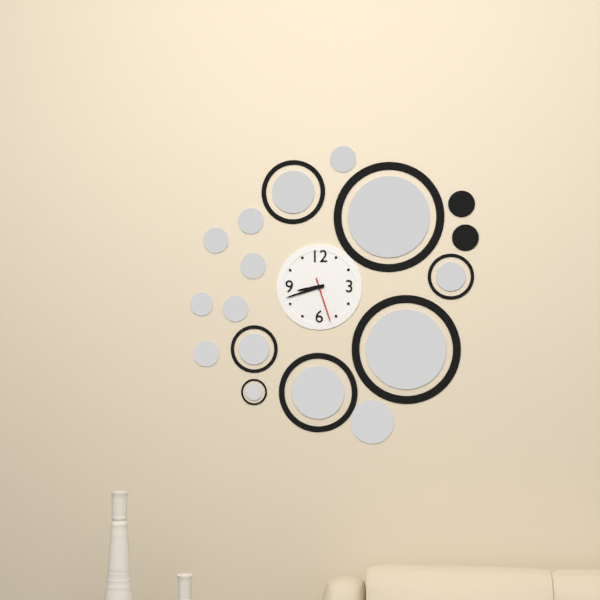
8:42
